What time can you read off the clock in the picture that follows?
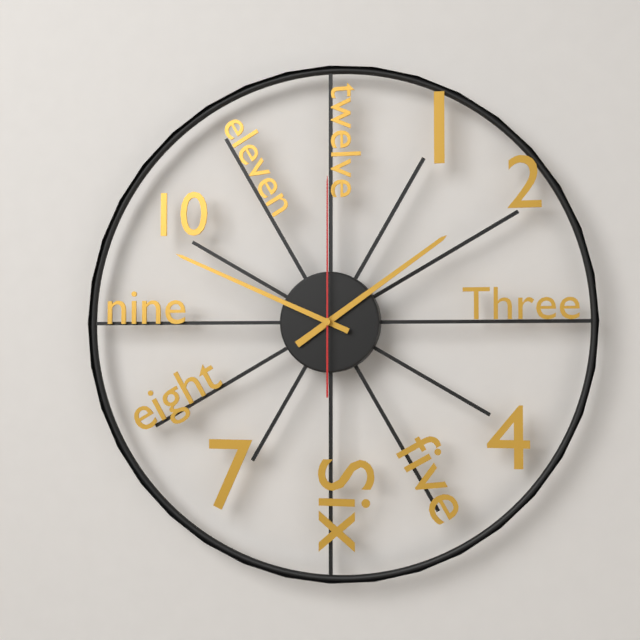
1:49:00
